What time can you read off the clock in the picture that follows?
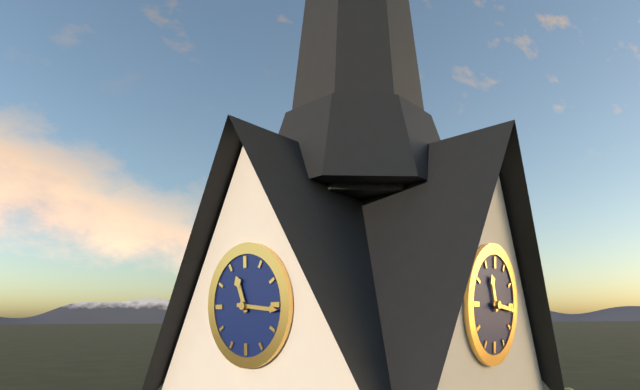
11:16
